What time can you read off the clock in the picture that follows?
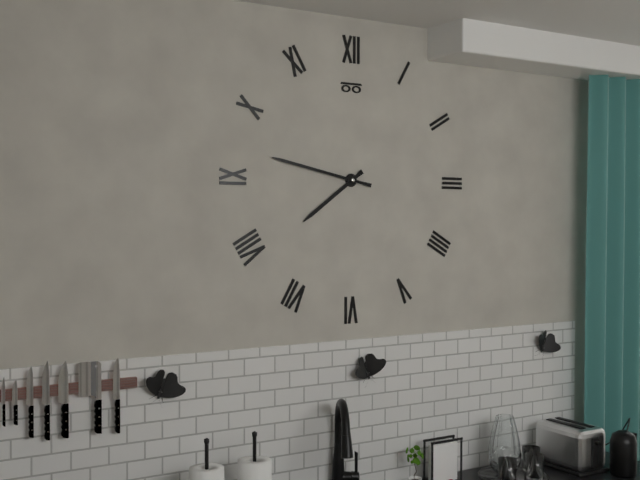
7:47
